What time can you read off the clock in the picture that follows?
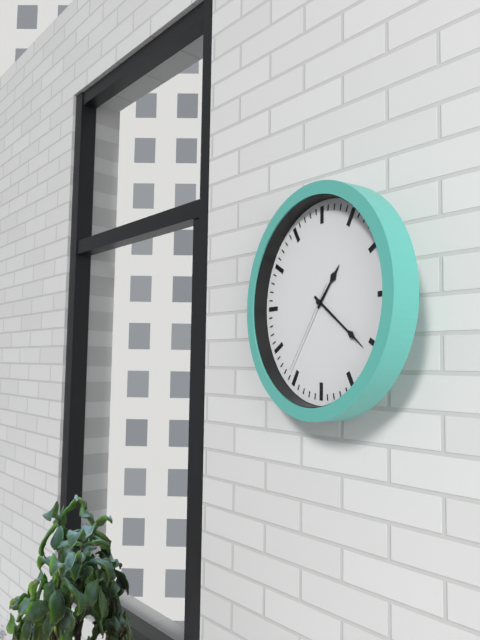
1:21:36
